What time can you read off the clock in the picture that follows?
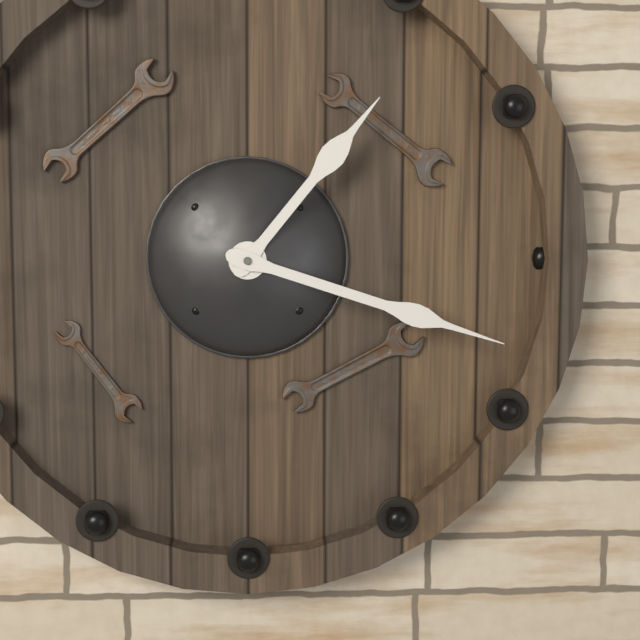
1:18
